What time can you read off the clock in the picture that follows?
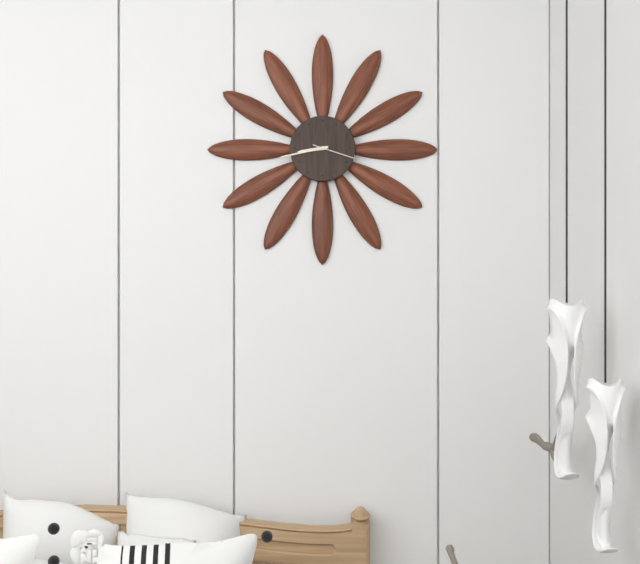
8:43
